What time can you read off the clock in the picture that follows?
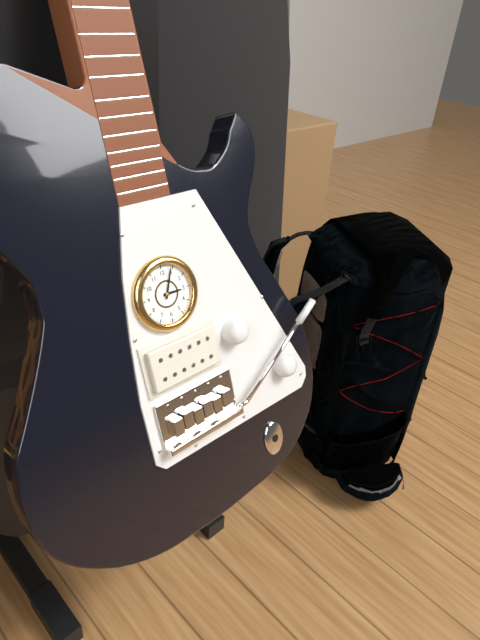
3:04
